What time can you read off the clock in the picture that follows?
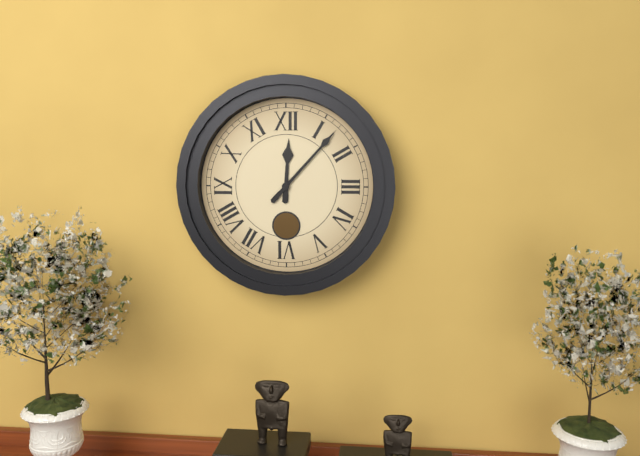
12:07
